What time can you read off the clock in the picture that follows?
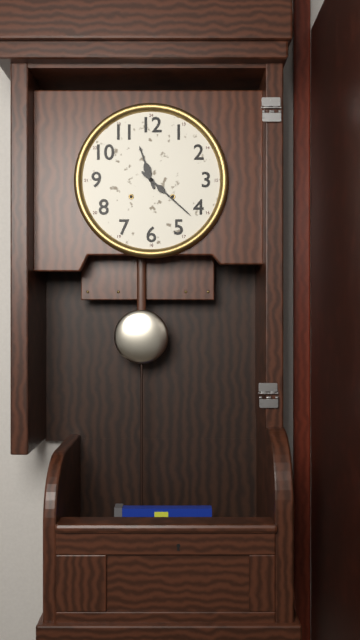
11:22
